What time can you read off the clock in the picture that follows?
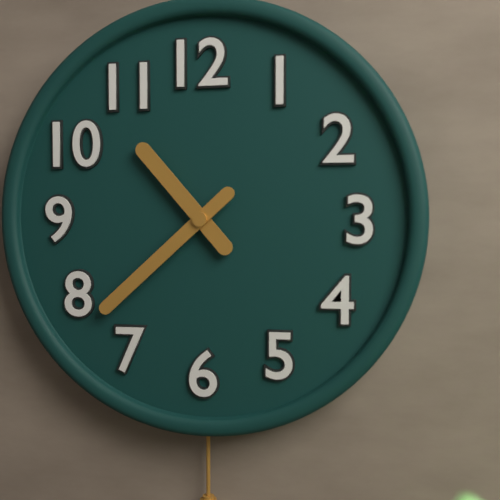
10:38
